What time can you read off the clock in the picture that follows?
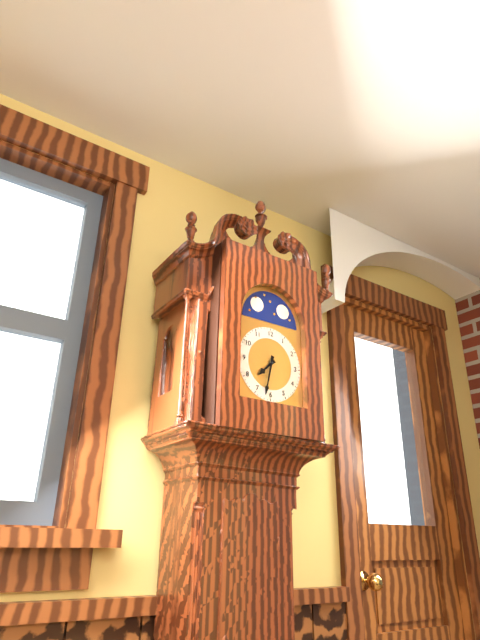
7:32
